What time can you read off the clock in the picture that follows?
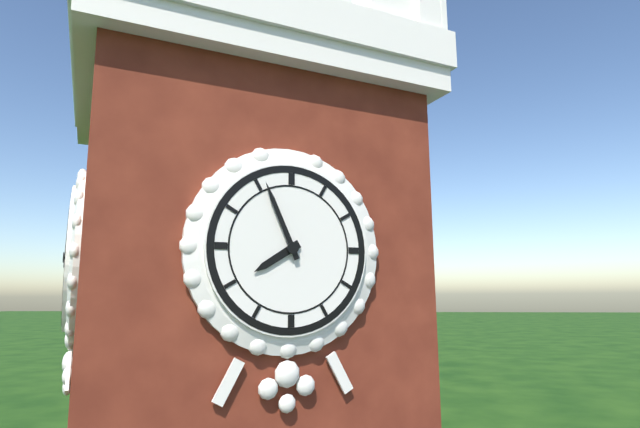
7:56
